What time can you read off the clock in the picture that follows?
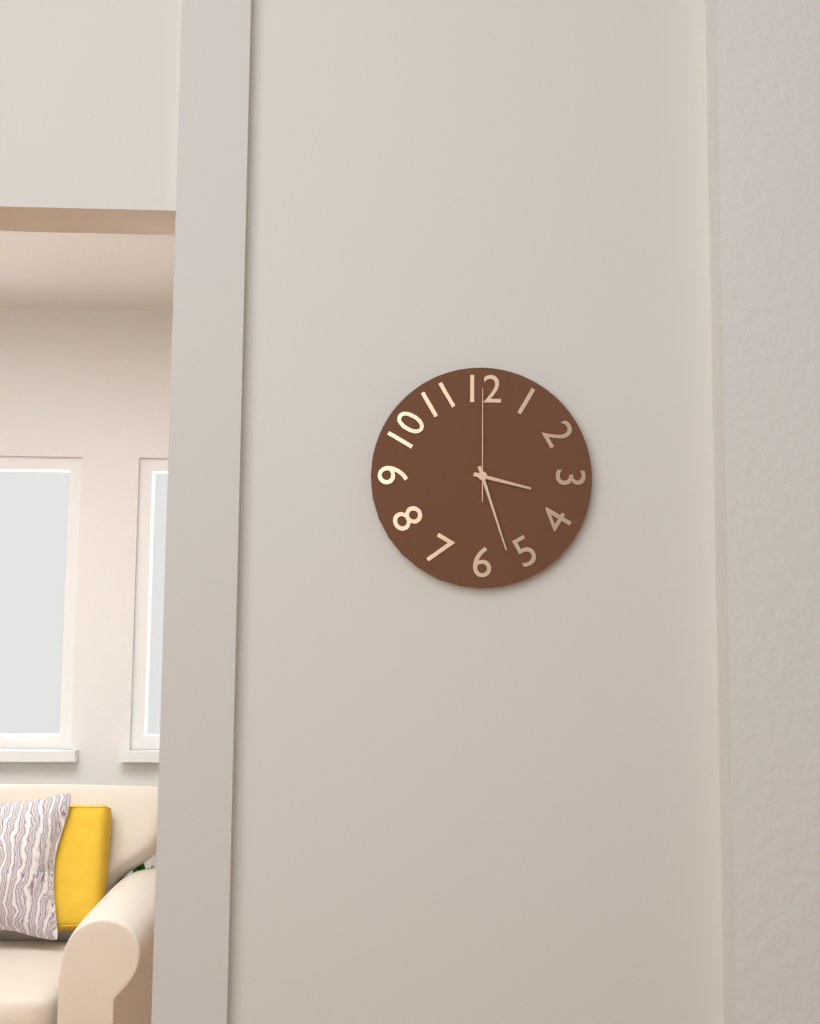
3:27:00
